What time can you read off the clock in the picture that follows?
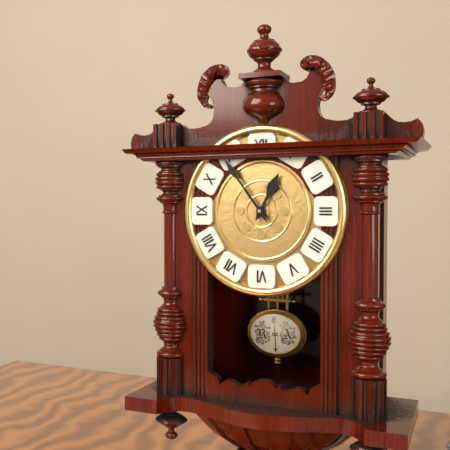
12:54
